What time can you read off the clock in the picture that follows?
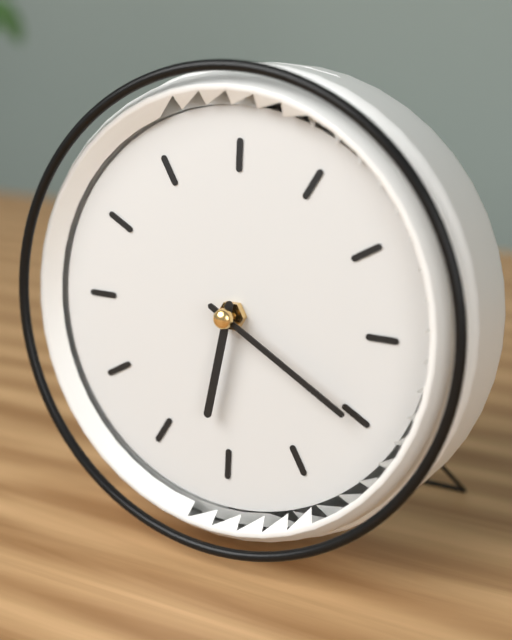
6:20
